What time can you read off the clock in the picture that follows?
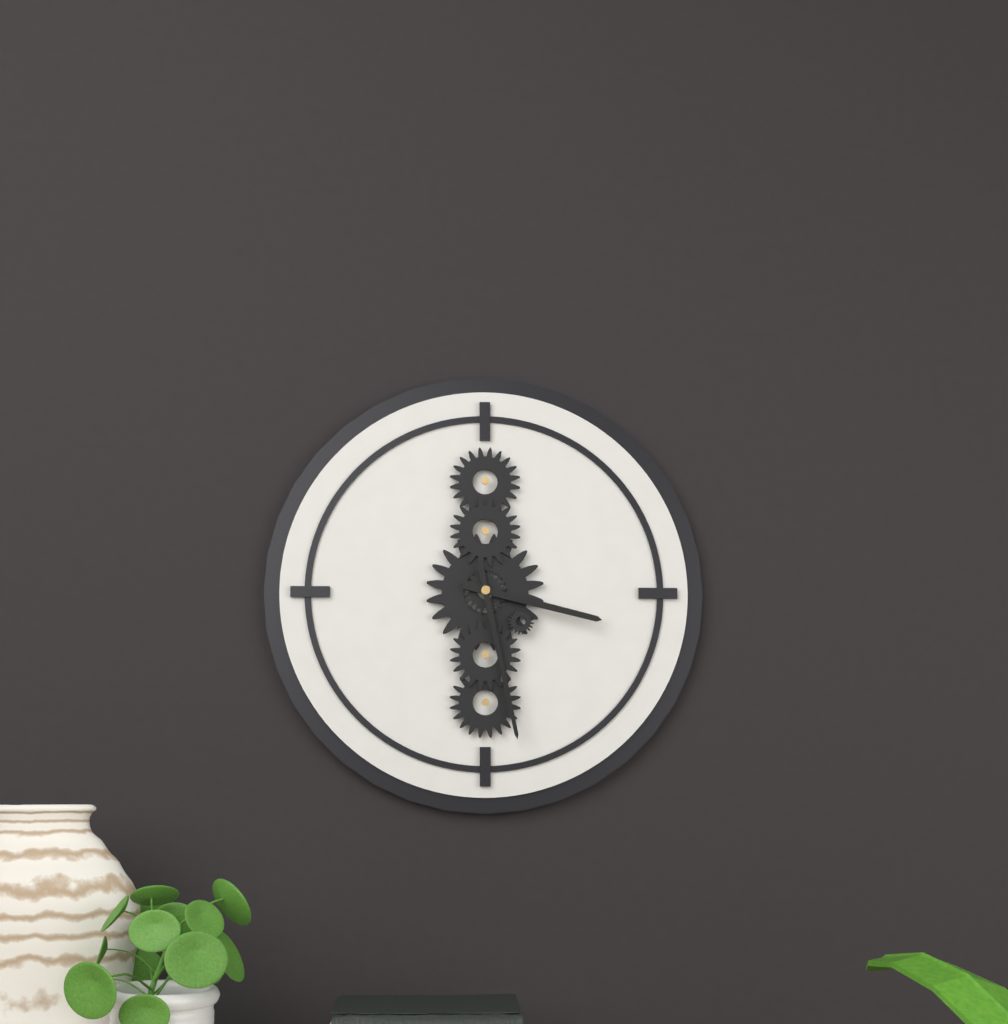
3:28
